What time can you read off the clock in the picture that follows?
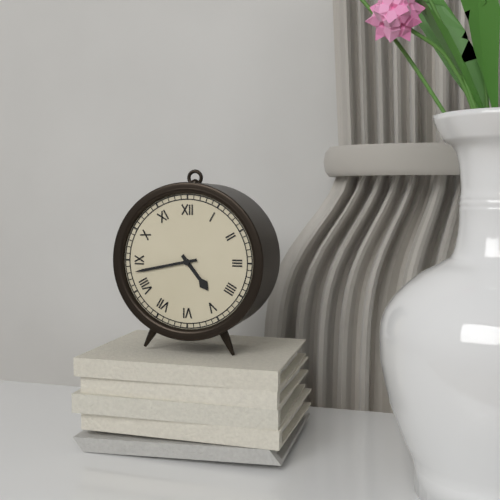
4:43
